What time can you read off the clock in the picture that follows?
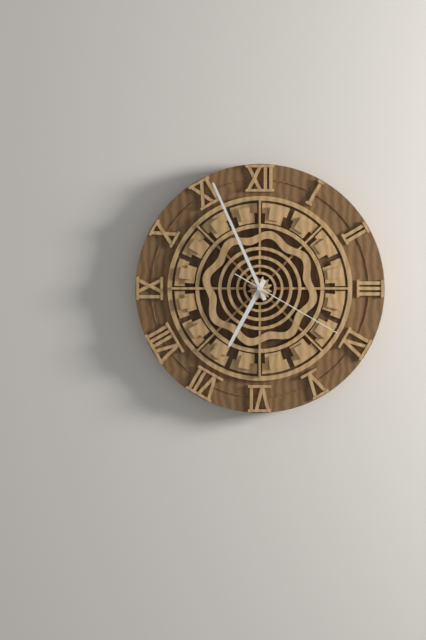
6:56:20
